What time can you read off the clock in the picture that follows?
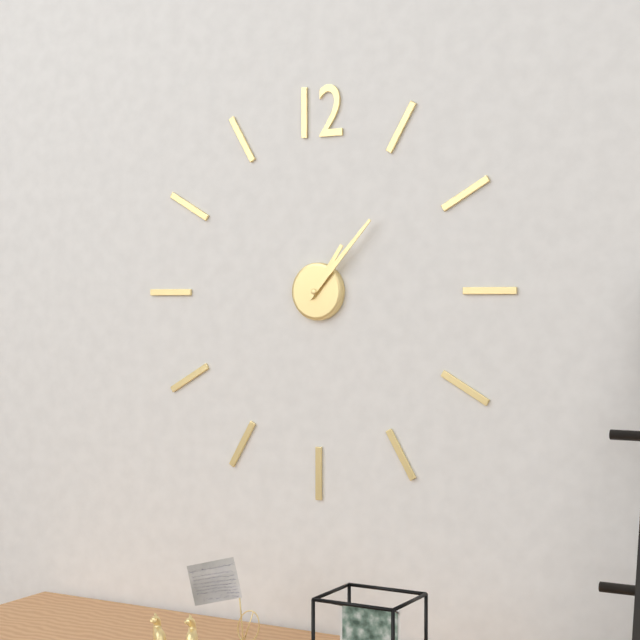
1:07
